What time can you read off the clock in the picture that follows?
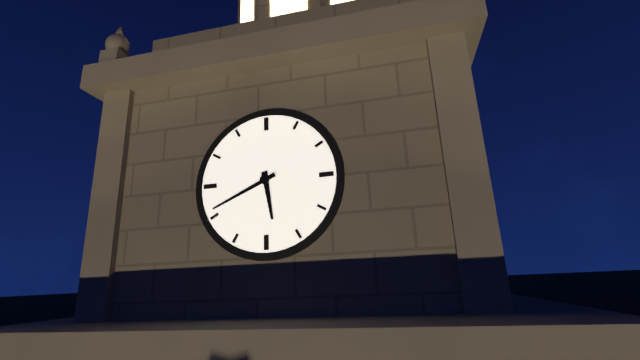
5:41
